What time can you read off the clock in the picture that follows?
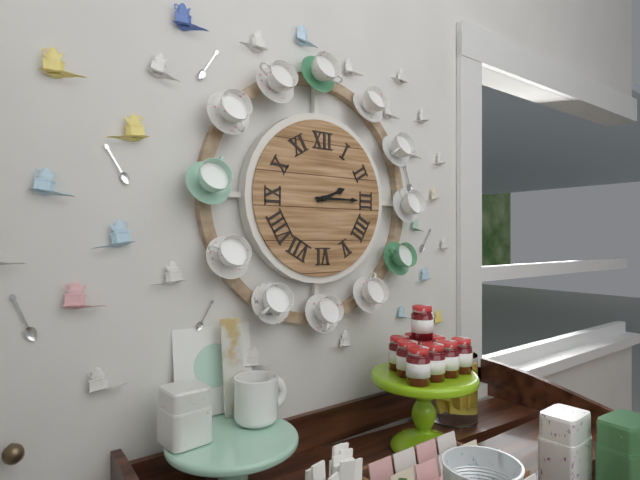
2:15
